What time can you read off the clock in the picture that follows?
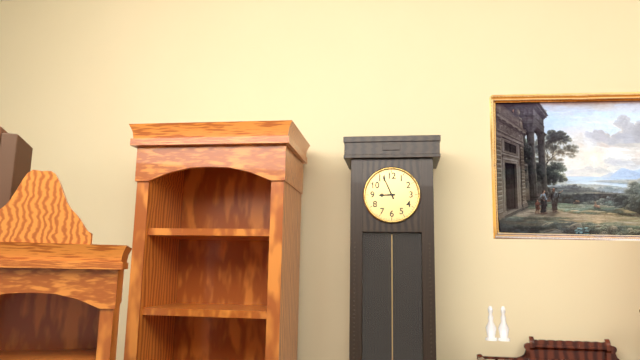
8:56
